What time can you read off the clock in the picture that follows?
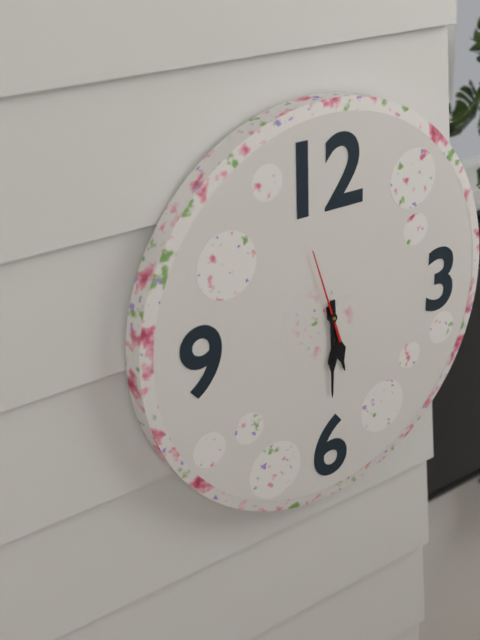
5:30:57
